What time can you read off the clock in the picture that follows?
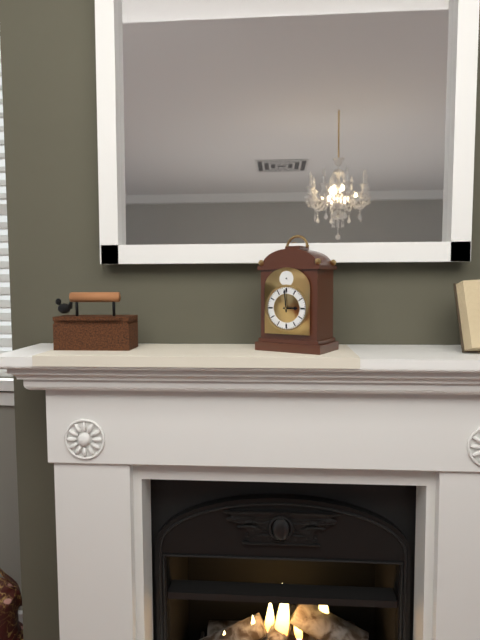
2:59
